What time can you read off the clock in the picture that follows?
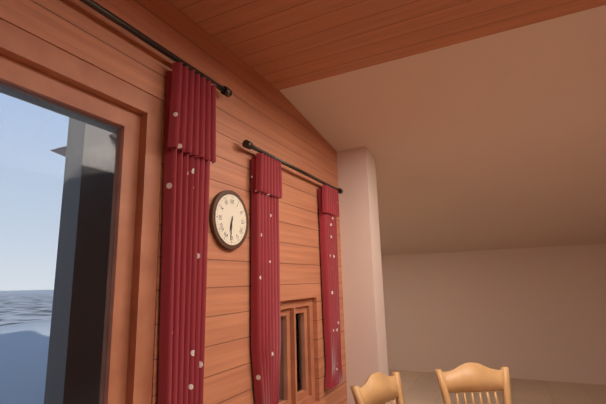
6:31
